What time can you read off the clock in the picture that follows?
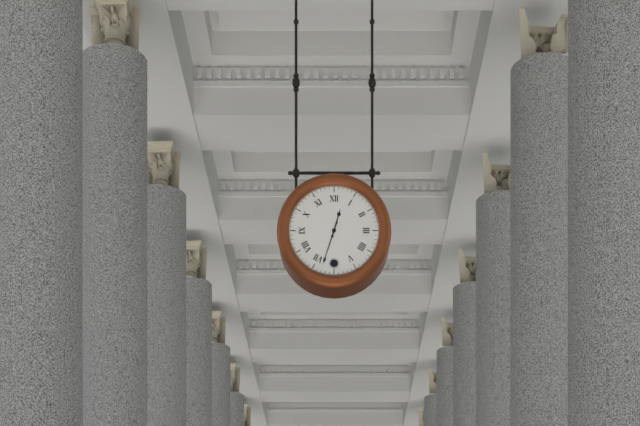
12:33
